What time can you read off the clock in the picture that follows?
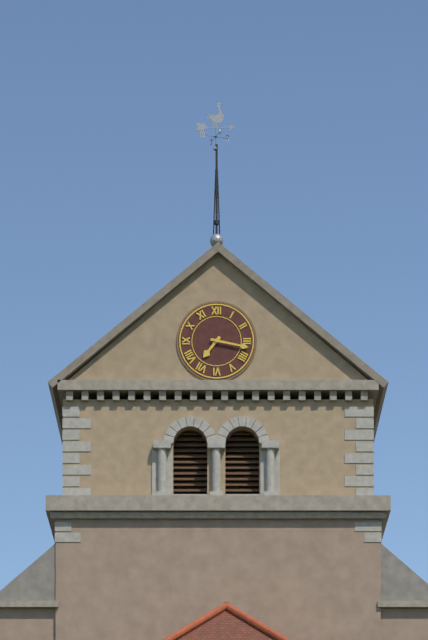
7:17
